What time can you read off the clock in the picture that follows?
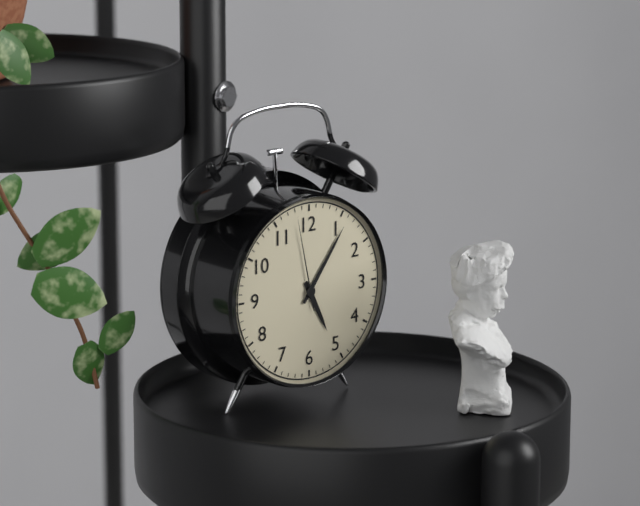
5:06:58
